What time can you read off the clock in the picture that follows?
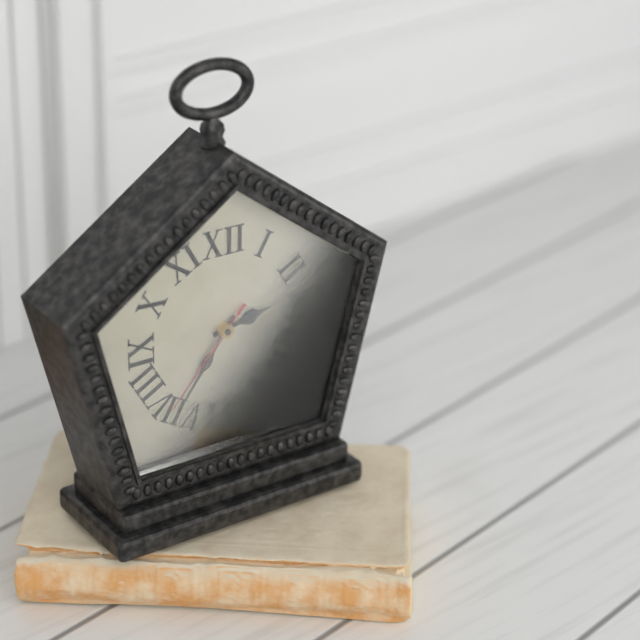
2:36:37
